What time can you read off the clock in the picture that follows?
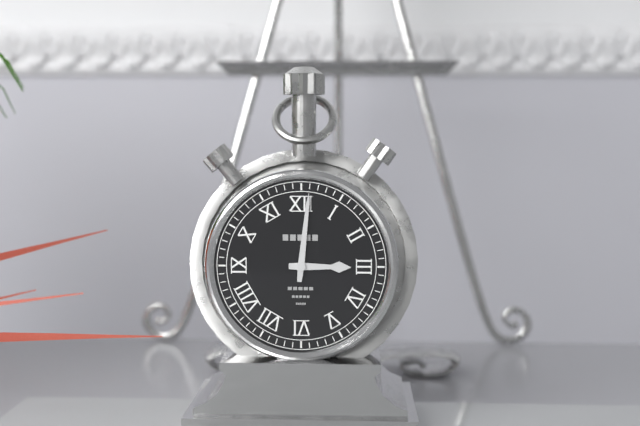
3:01
